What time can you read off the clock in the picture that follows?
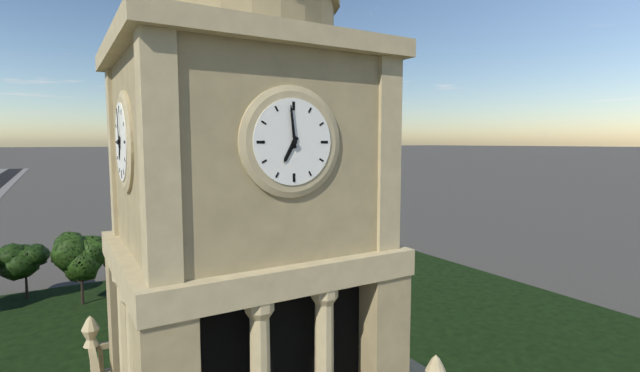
6:59
